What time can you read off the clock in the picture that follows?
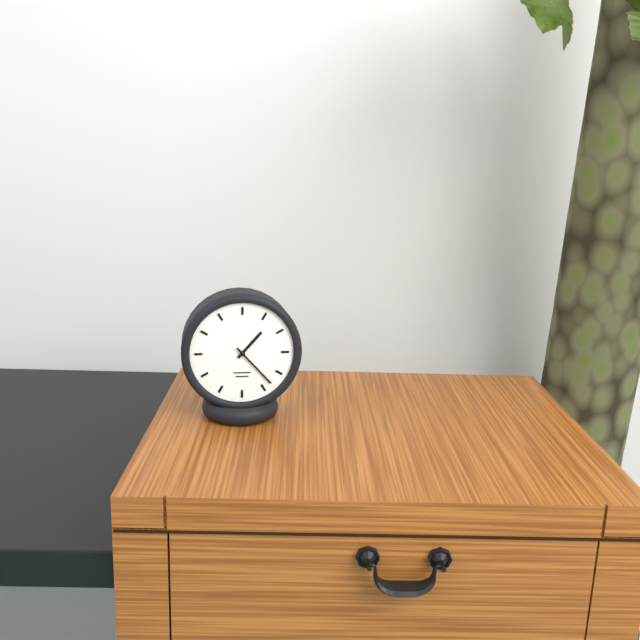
1:23
